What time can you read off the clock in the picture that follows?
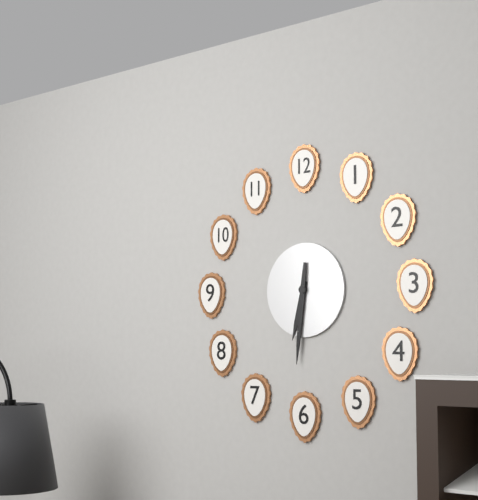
6:31
